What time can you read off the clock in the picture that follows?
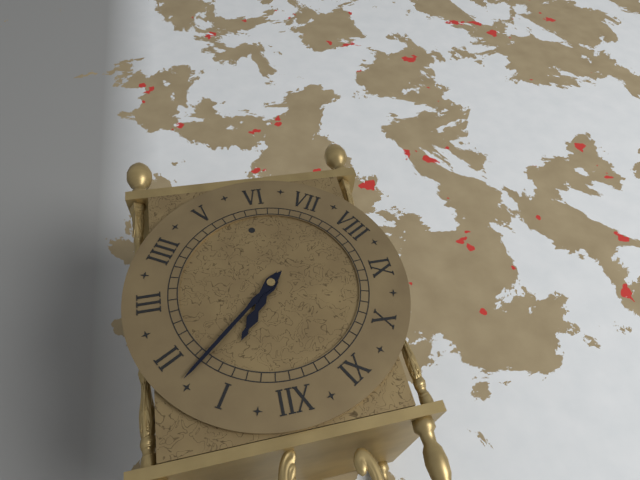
1:08
